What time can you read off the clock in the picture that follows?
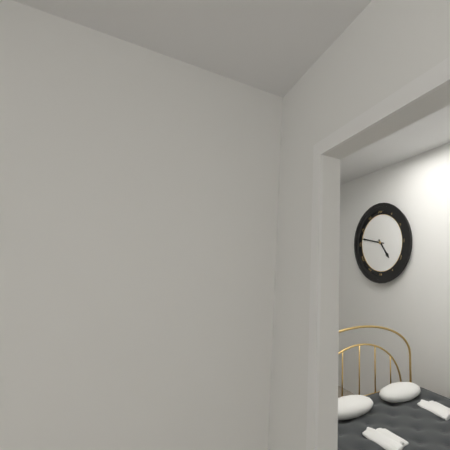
4:47
